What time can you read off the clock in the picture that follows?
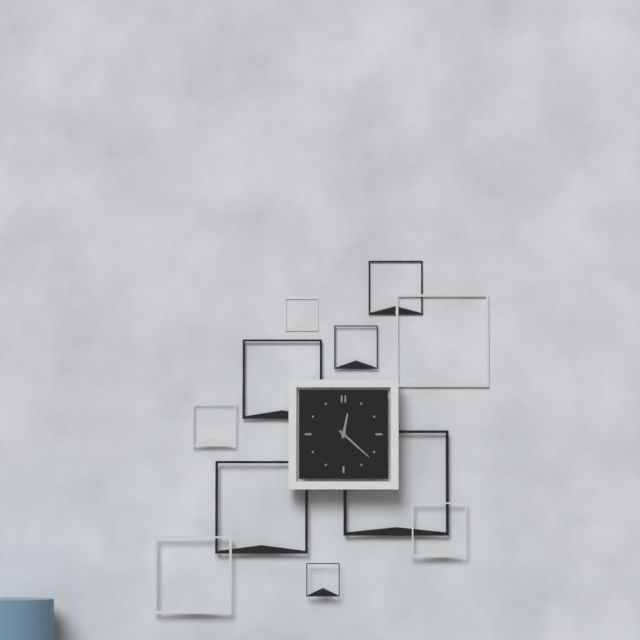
12:22
